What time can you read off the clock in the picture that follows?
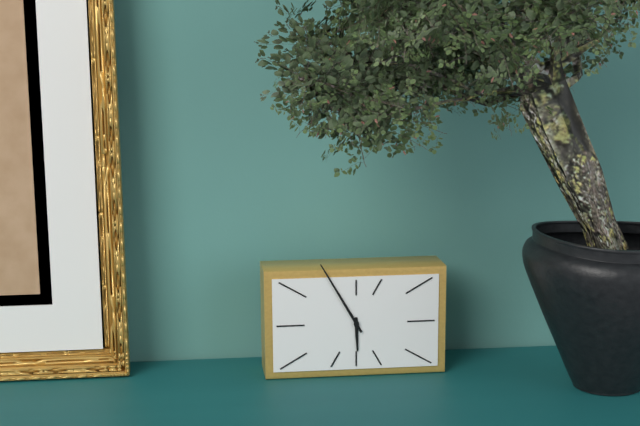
5:55
